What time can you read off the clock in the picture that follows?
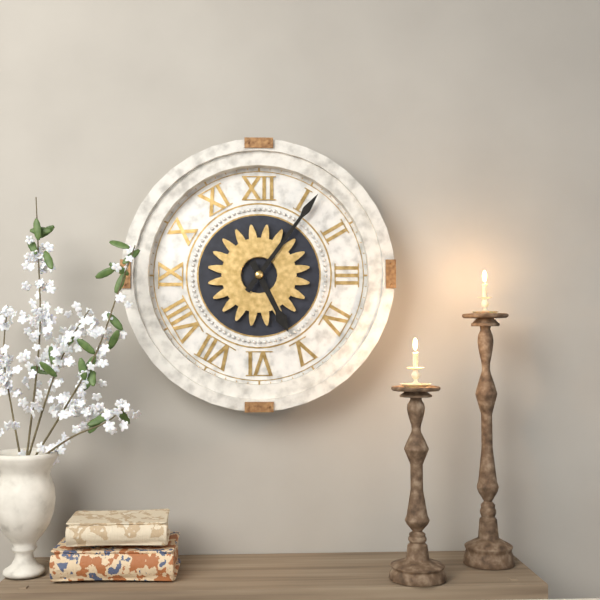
5:06
